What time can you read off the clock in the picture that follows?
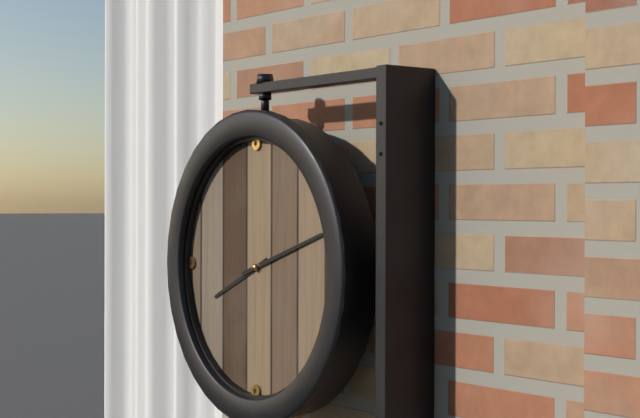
8:12
